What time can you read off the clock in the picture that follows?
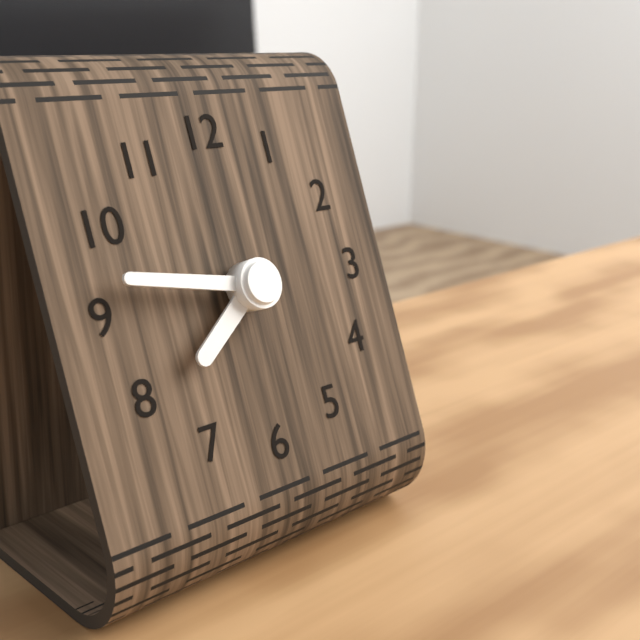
7:47
